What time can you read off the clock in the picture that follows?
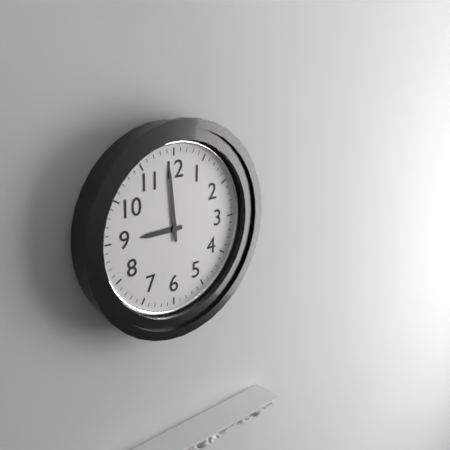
8:59
